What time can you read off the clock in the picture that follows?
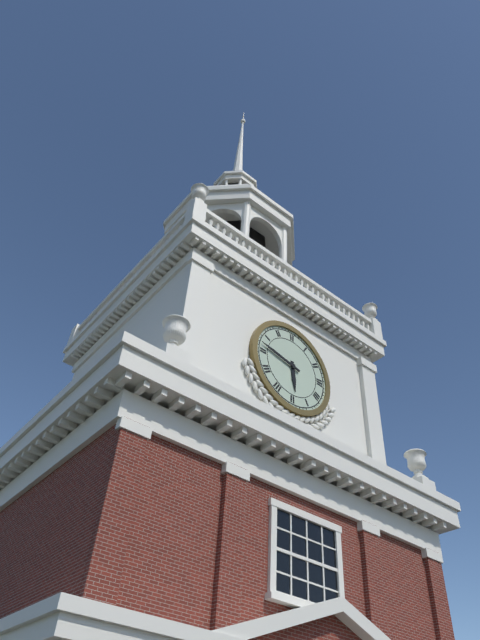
5:47
